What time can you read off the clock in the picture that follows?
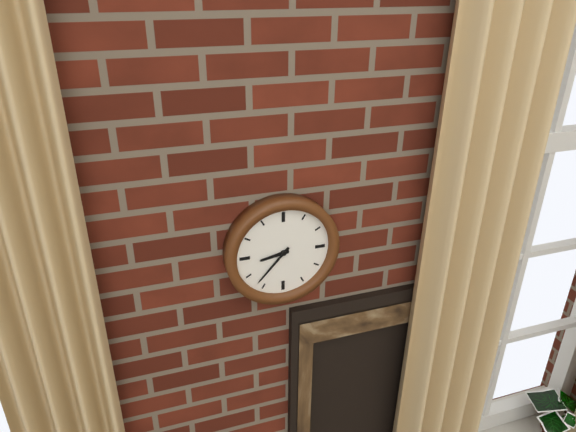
8:37
